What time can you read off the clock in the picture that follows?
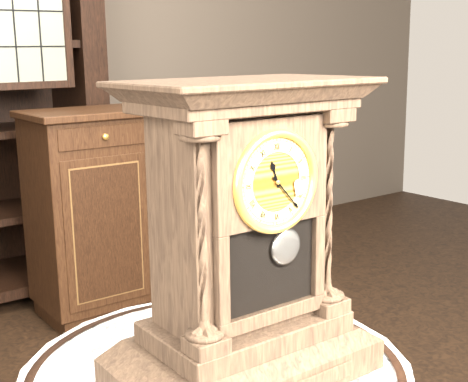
11:23
